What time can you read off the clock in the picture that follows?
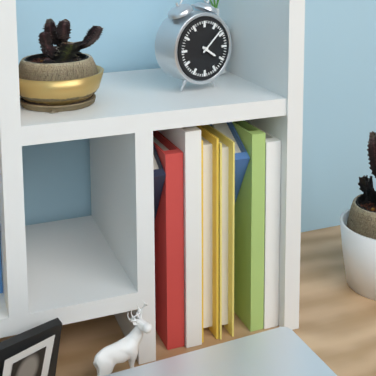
4:08
